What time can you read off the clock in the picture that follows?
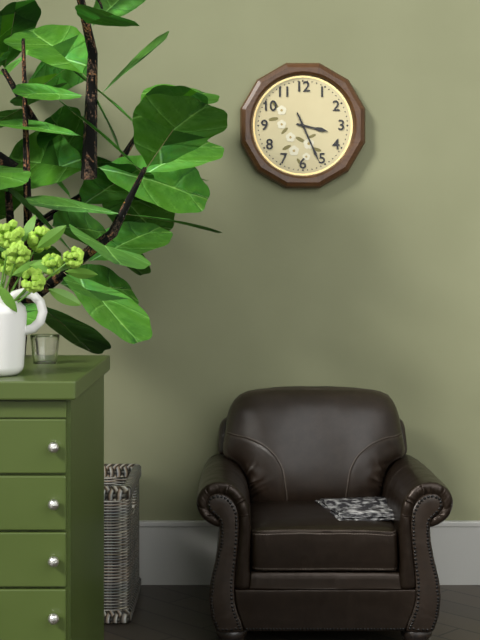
3:26
